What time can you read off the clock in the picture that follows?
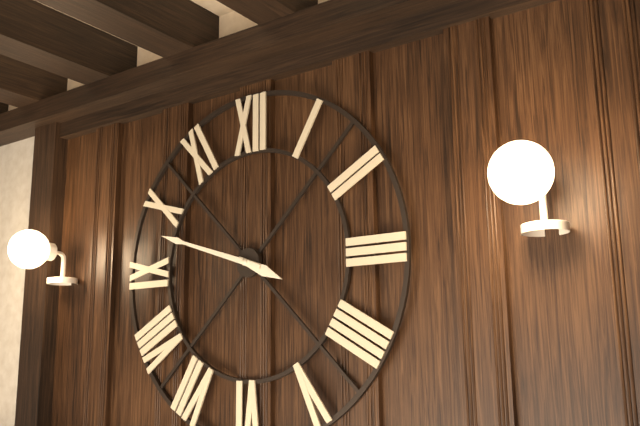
3:48
